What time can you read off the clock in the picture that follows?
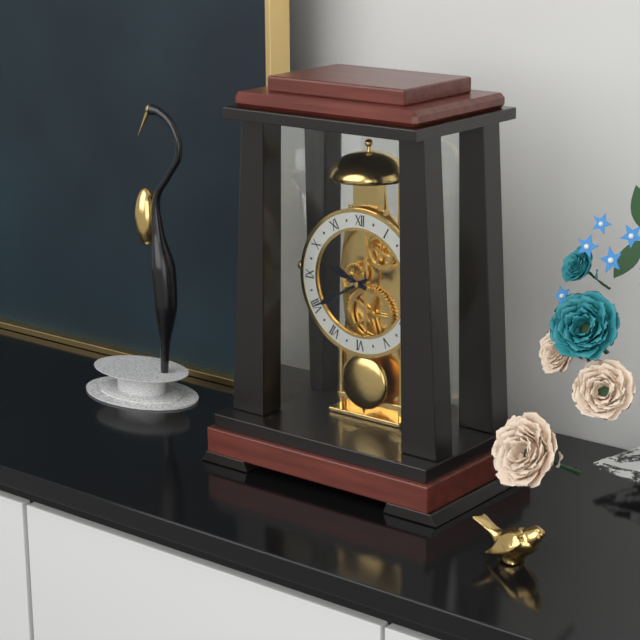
9:40
